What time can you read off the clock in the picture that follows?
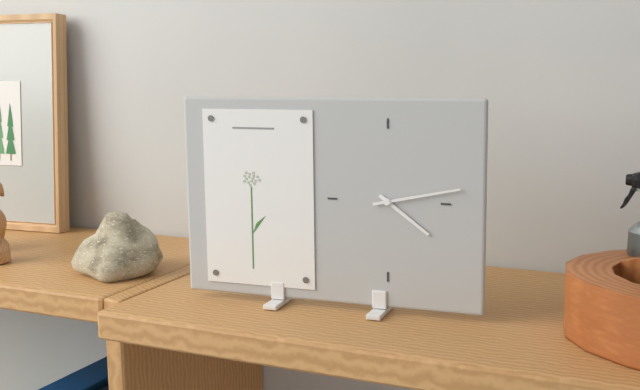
4:13
